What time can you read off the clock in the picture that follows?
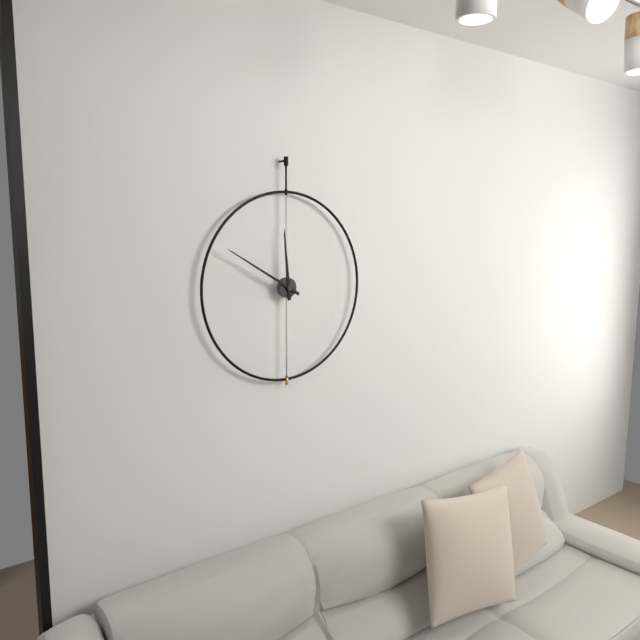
11:50
